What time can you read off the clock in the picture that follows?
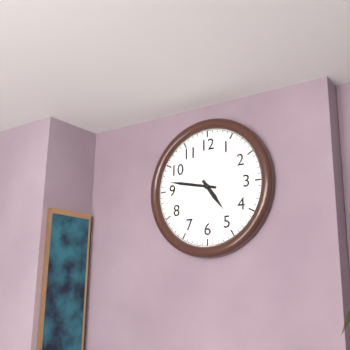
4:47
